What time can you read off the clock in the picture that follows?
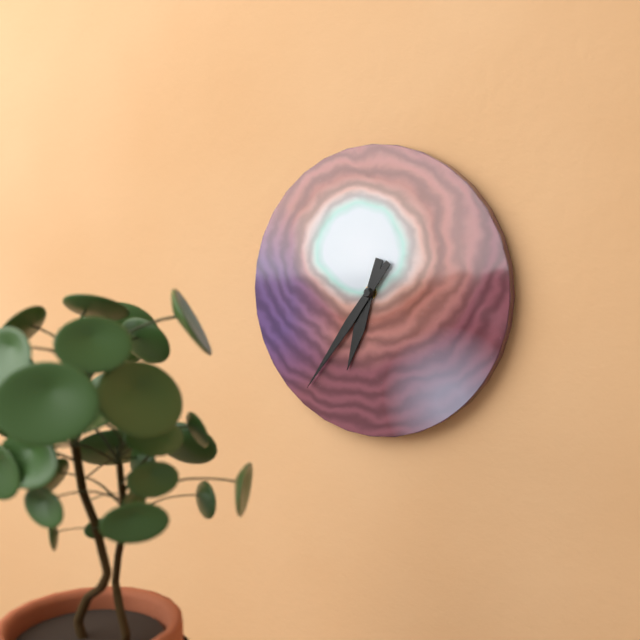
6:36
